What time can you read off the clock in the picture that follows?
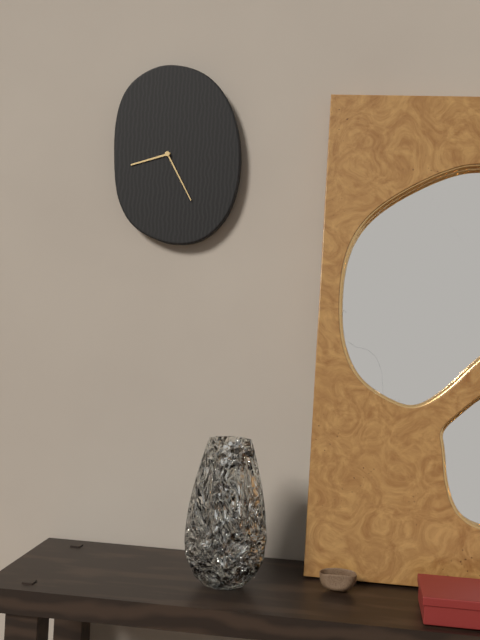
8:25
